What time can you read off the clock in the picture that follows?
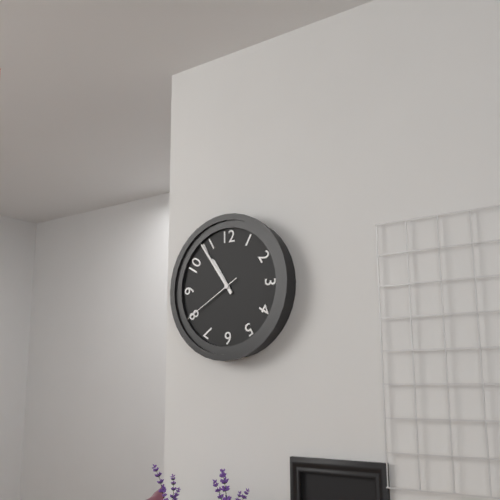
10:54:40
